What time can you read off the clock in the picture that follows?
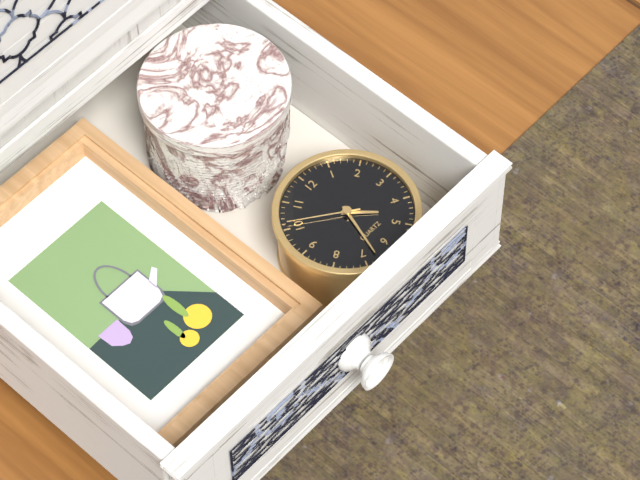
4:33:51
